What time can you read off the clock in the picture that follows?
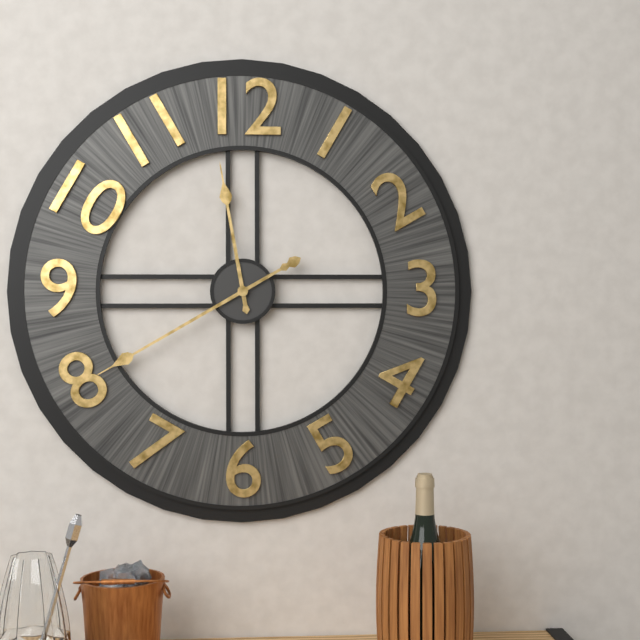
11:40
